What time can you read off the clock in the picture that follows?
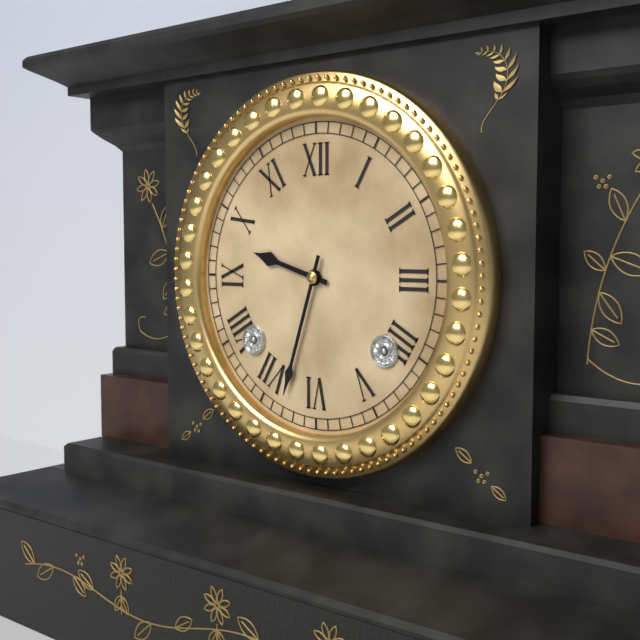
9:33
